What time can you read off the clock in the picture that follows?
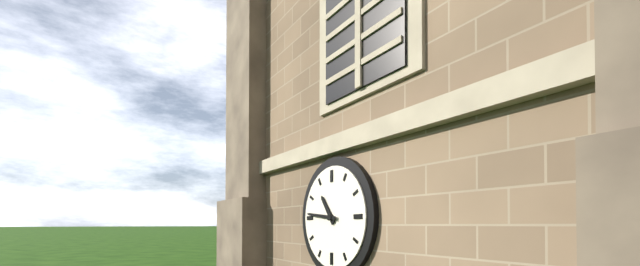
10:46
